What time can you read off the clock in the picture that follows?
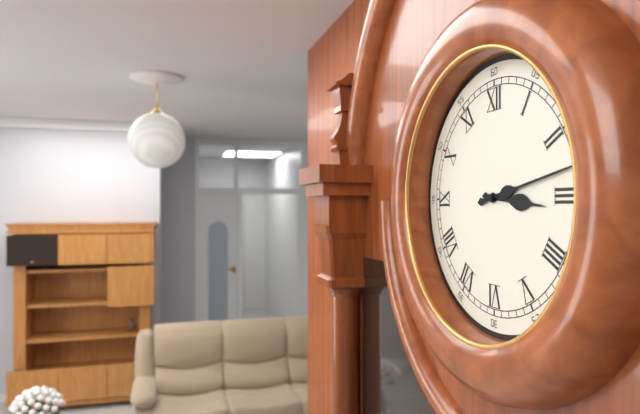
3:13
